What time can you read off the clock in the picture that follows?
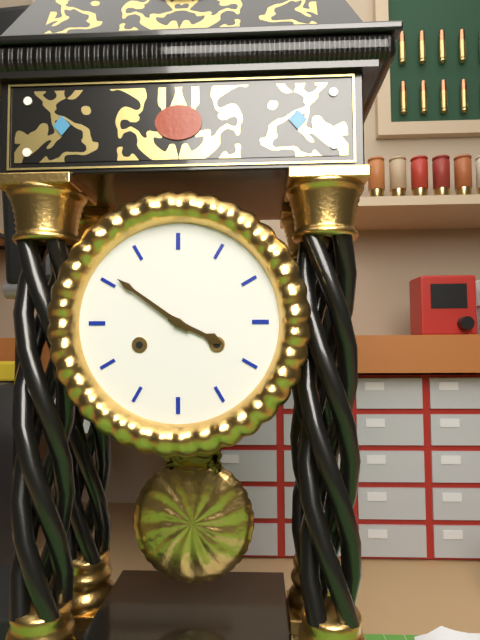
3:51
